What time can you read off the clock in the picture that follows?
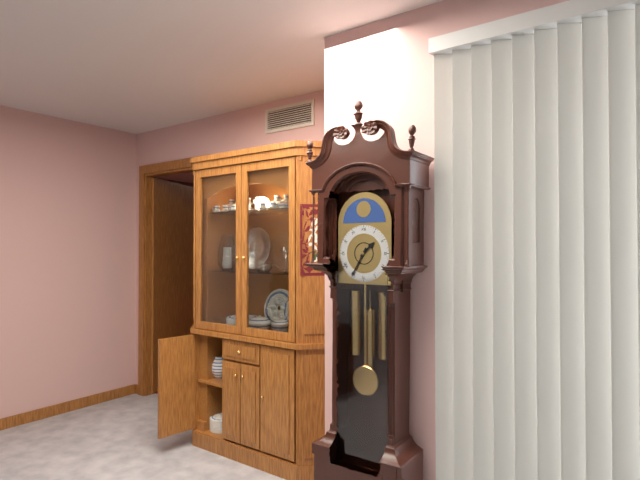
1:35
